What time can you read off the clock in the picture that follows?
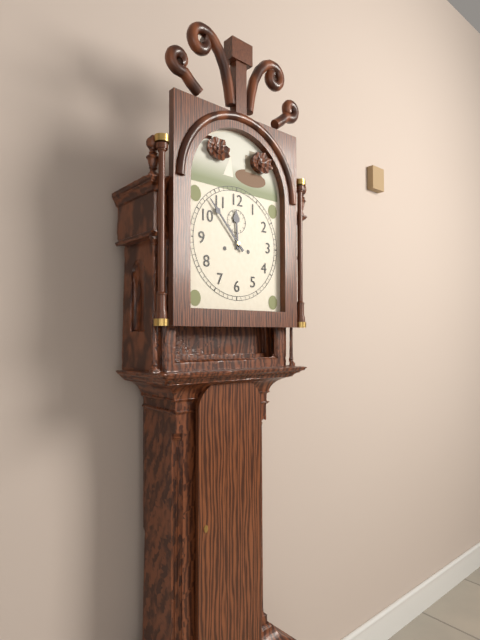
11:53
